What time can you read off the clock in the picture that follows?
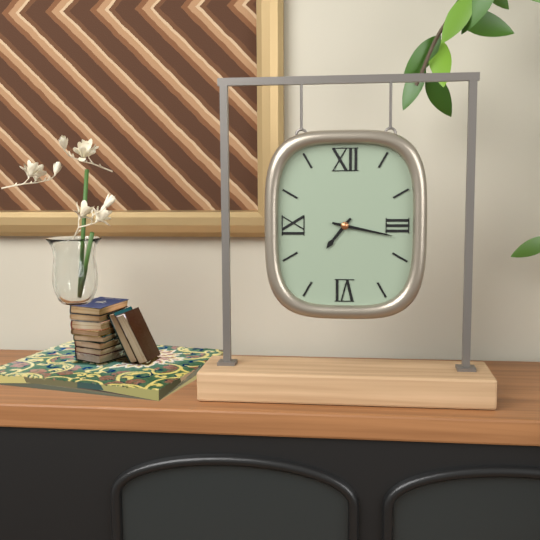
7:17
